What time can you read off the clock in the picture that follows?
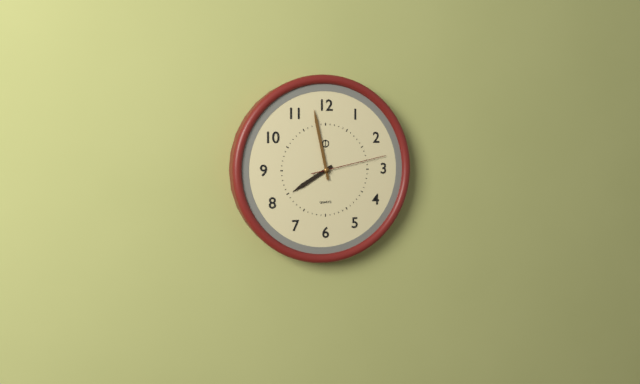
7:58:13
